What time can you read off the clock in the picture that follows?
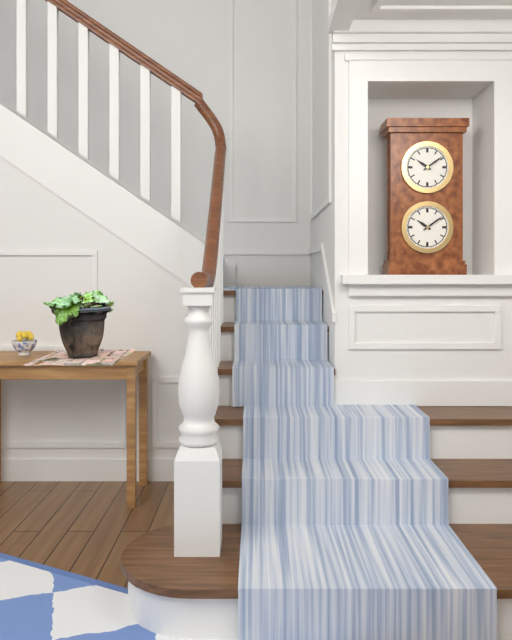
10:09
